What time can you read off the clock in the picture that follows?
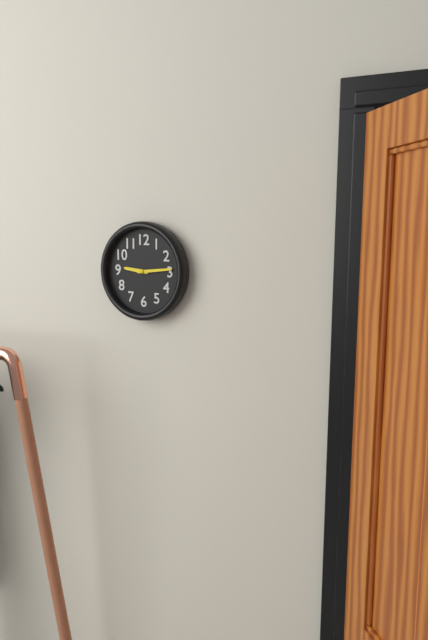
9:14
